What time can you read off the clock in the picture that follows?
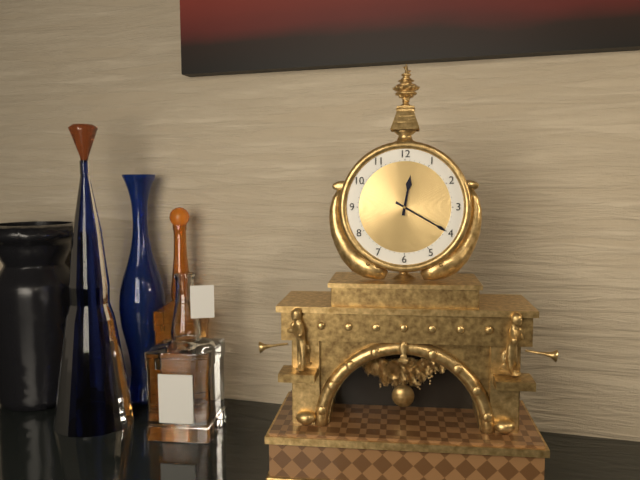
12:20
